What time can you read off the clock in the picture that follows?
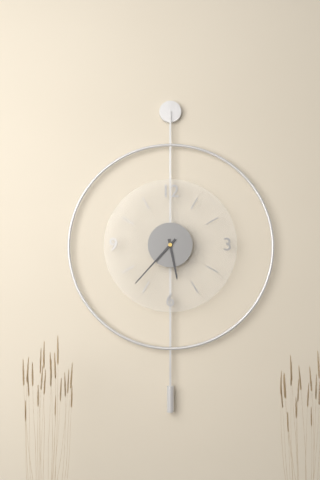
5:37
